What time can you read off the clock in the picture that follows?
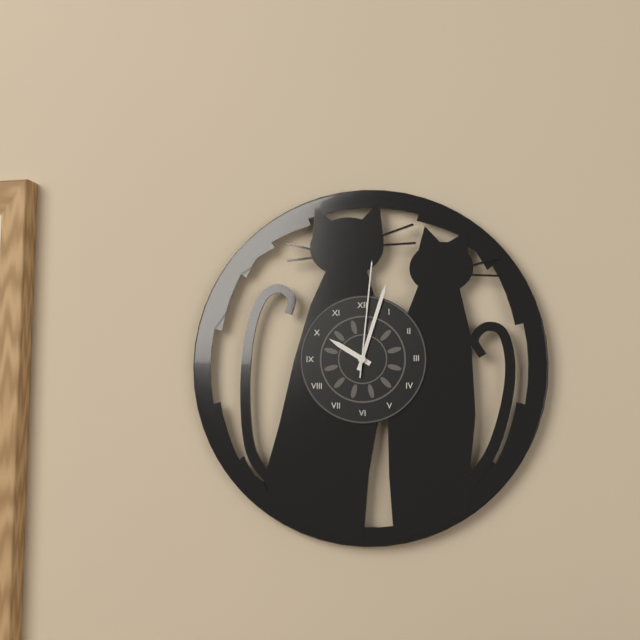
10:03:01
